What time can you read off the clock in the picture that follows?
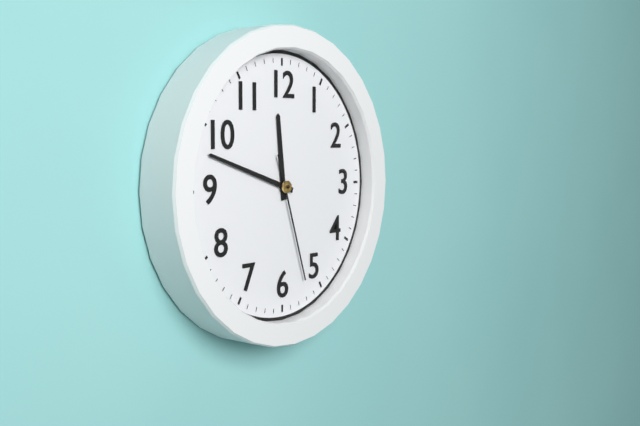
11:48:27
